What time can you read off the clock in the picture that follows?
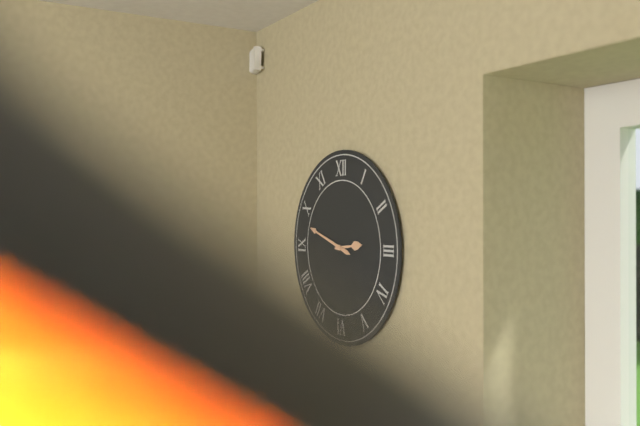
2:48
